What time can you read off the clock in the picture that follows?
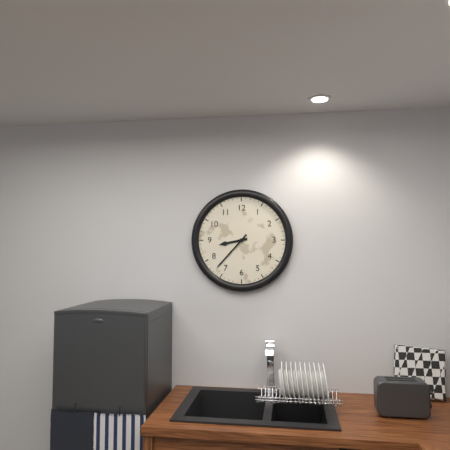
8:37
